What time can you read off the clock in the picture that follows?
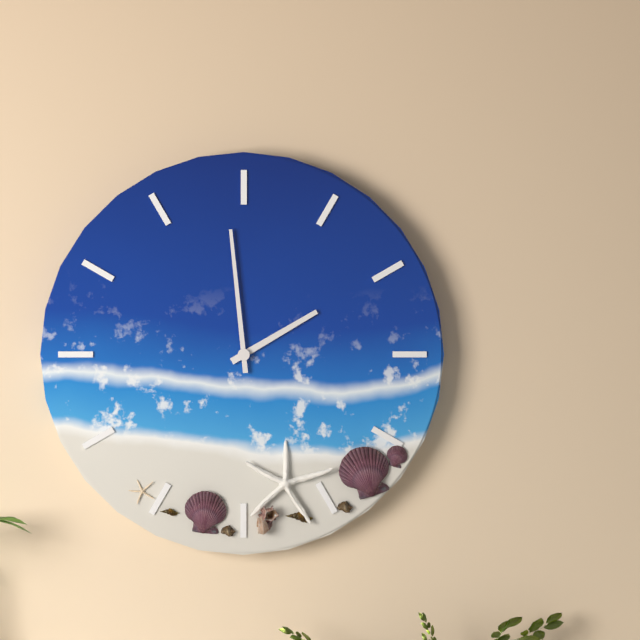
1:59
